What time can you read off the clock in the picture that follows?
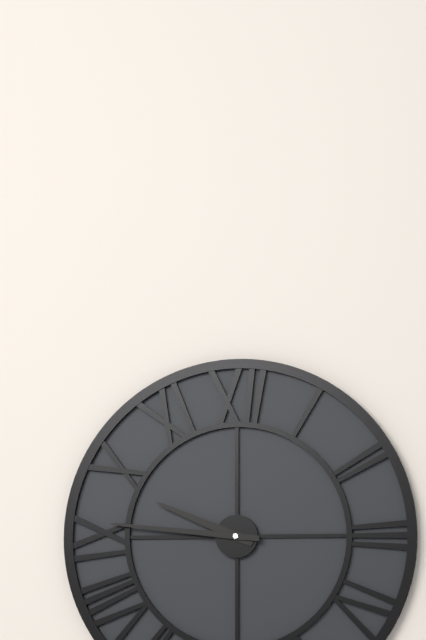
9:46
